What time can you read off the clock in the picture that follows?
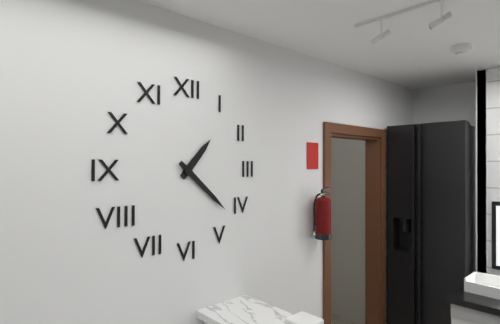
1:22
